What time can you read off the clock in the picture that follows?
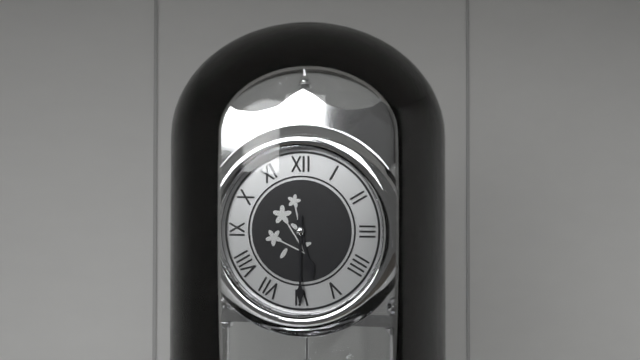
5:30
